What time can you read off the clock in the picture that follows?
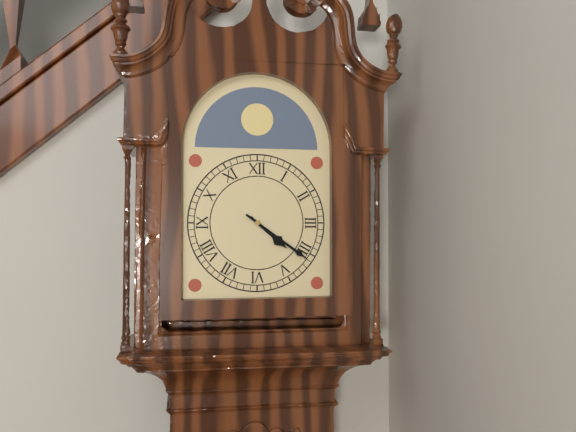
4:21
